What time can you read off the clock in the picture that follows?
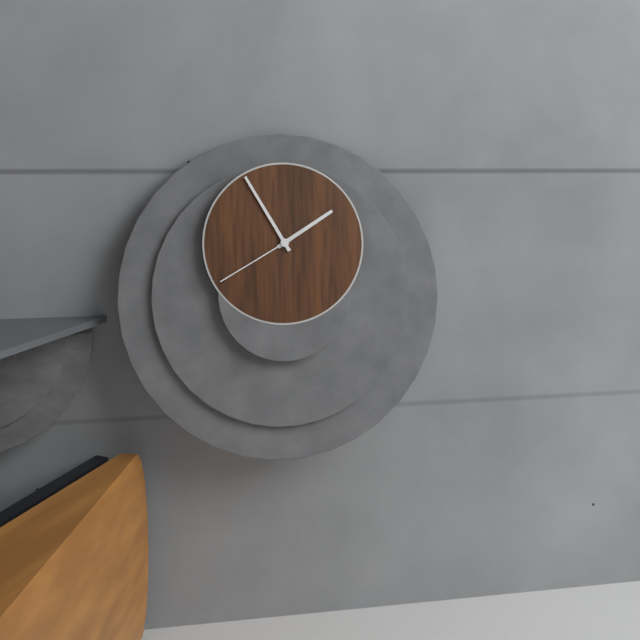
1:55:40
